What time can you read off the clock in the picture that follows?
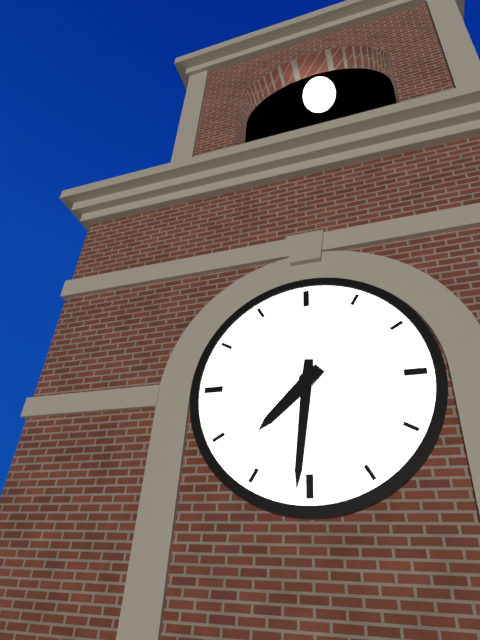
7:31
